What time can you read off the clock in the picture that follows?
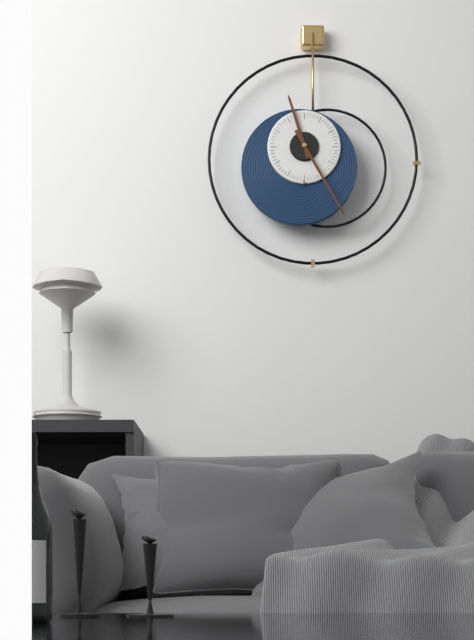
11:25
